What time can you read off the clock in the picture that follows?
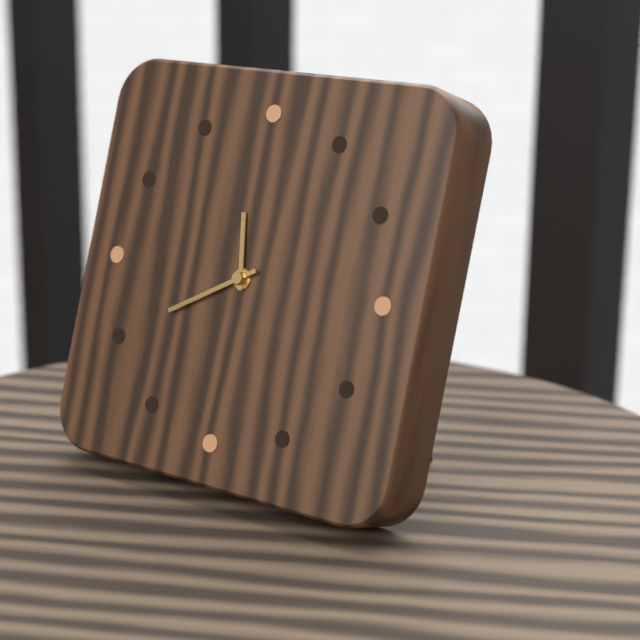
11:40
